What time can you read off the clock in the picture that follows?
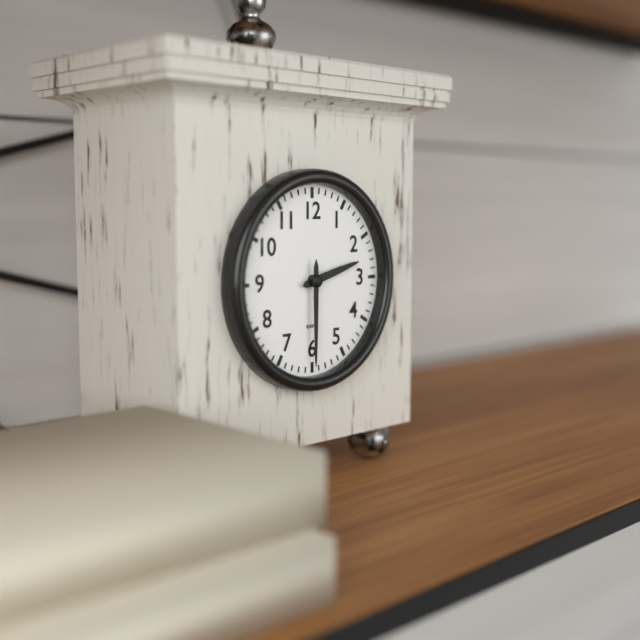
2:30
